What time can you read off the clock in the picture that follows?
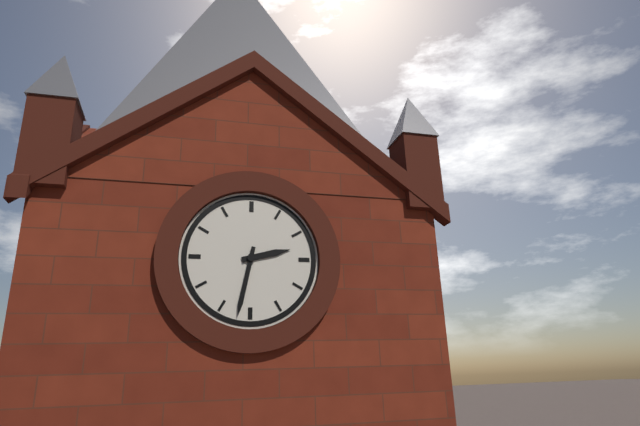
2:32
